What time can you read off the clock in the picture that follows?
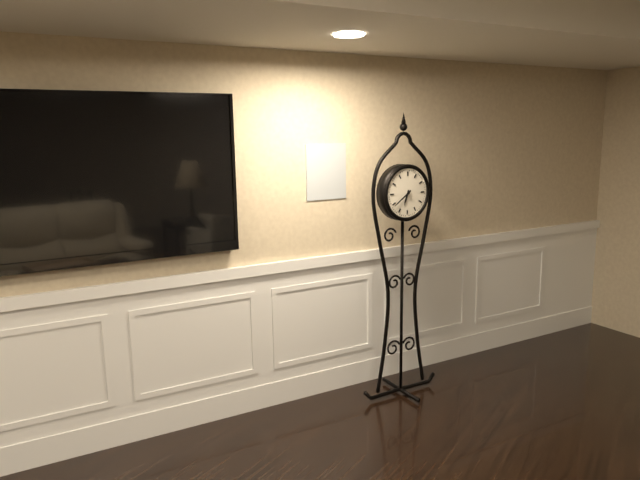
6:39
